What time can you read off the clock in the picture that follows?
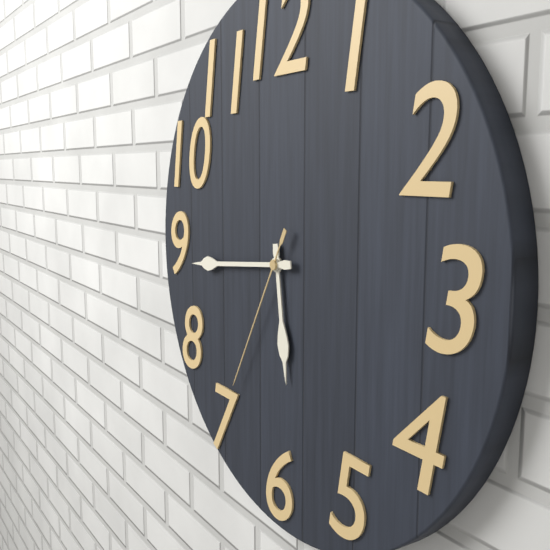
5:44:35
